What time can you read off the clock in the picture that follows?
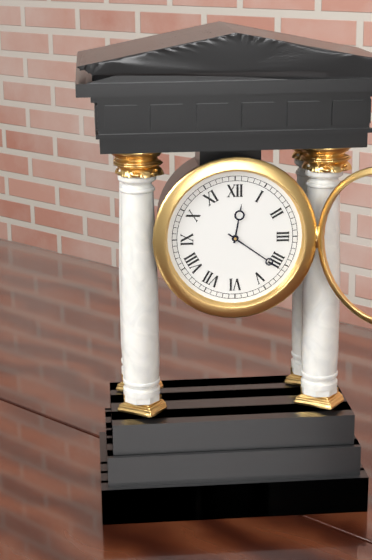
12:21
